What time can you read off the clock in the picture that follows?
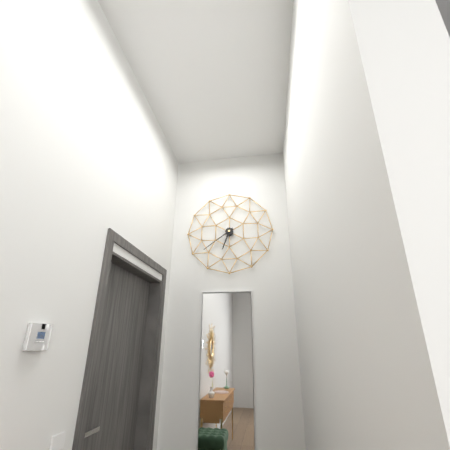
6:39
